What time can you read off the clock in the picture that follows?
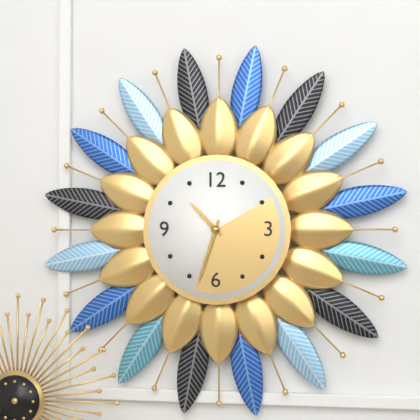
10:33
